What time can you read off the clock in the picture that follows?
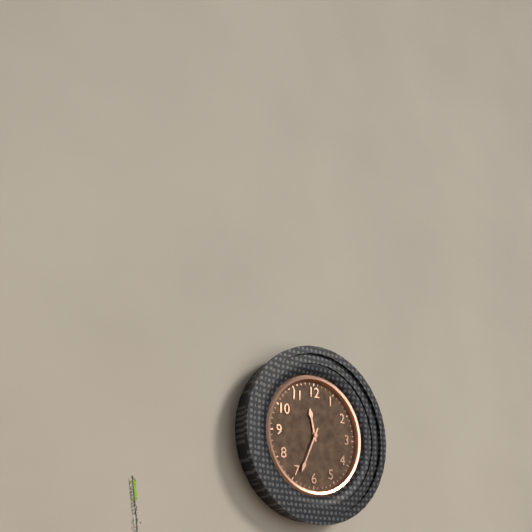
11:34
